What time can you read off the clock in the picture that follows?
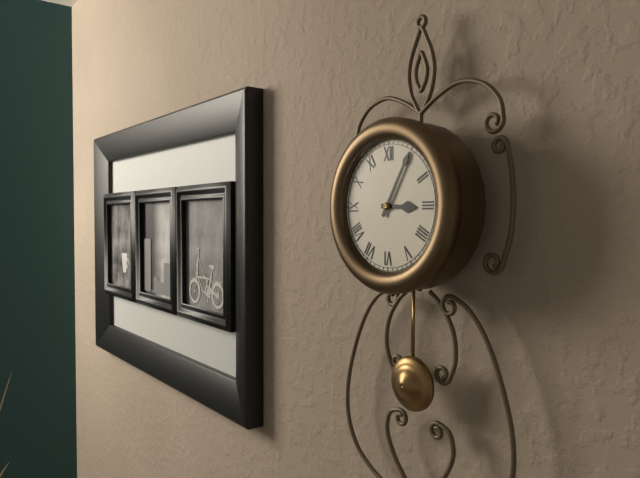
3:05
